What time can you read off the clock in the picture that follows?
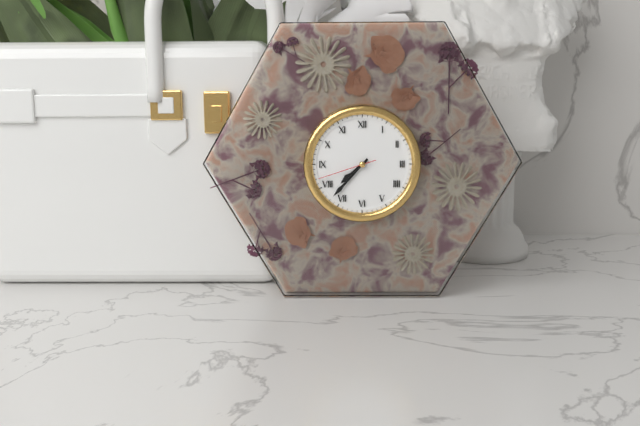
7:37:42
